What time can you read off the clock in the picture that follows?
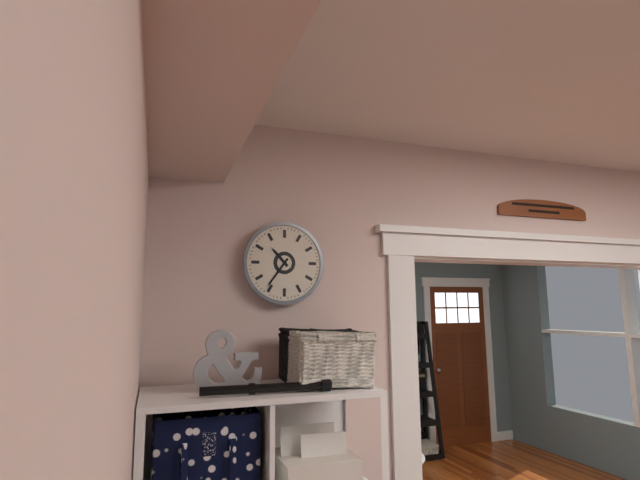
10:36
